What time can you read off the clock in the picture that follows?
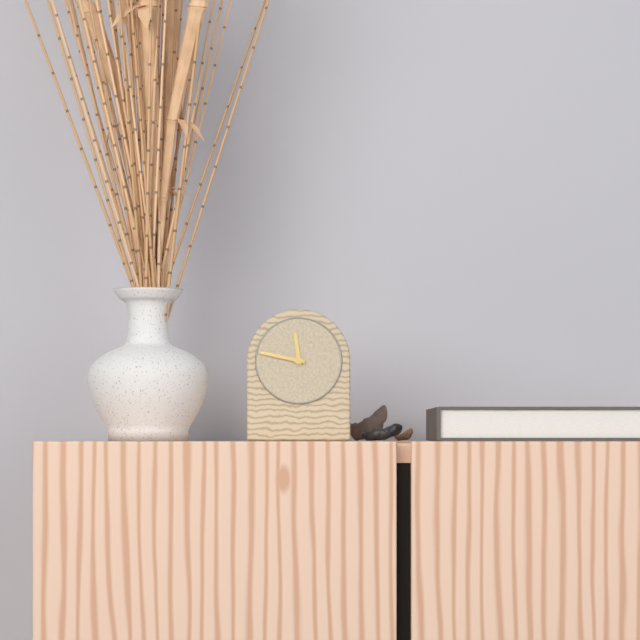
11:47
